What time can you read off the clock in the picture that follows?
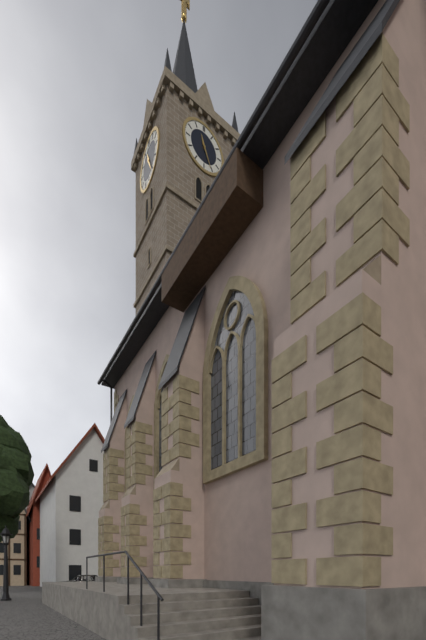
11:26
